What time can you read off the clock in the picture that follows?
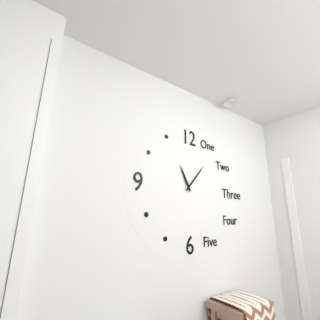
11:07
